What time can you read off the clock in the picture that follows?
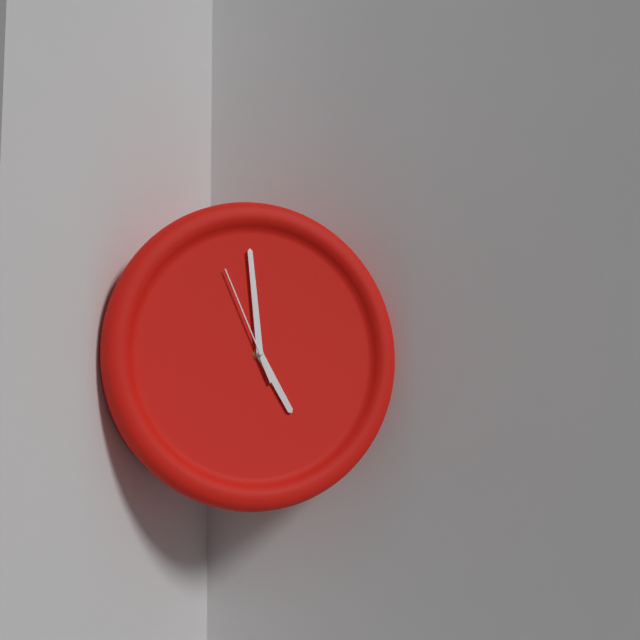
4:59:56
